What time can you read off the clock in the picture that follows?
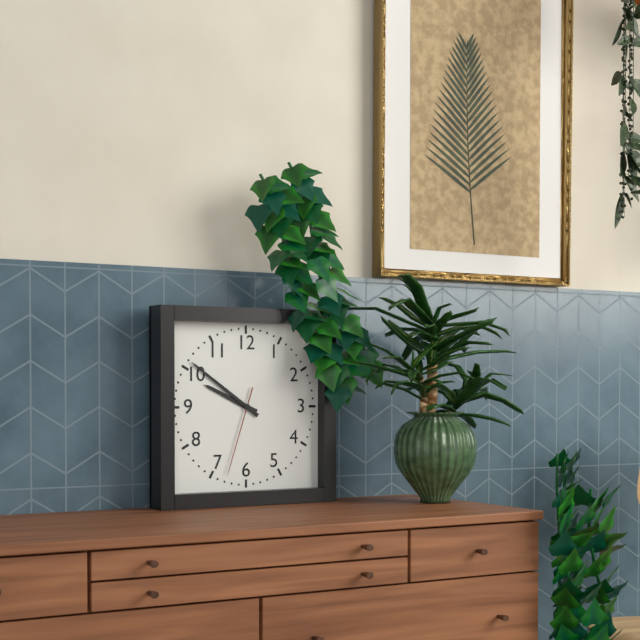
9:51:33
